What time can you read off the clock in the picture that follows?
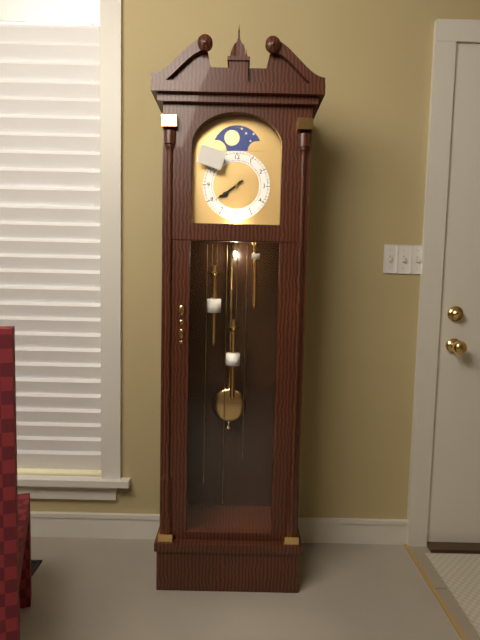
7:39
